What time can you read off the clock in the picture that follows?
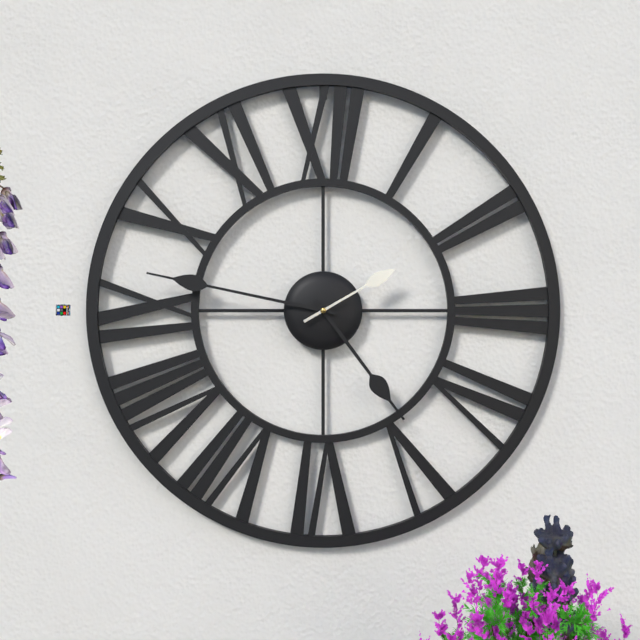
4:47:10
